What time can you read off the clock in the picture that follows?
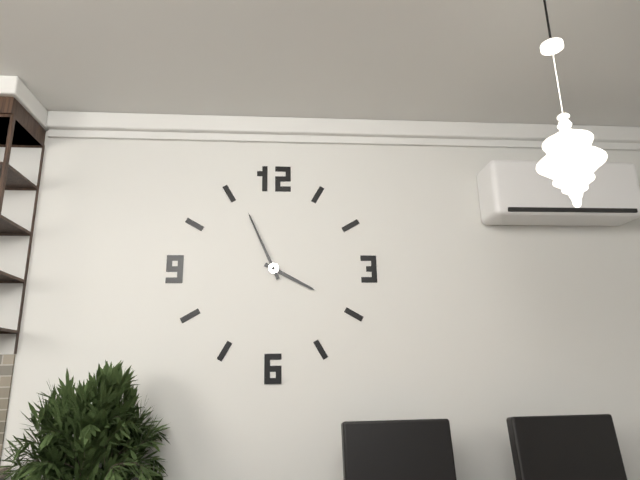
3:56
